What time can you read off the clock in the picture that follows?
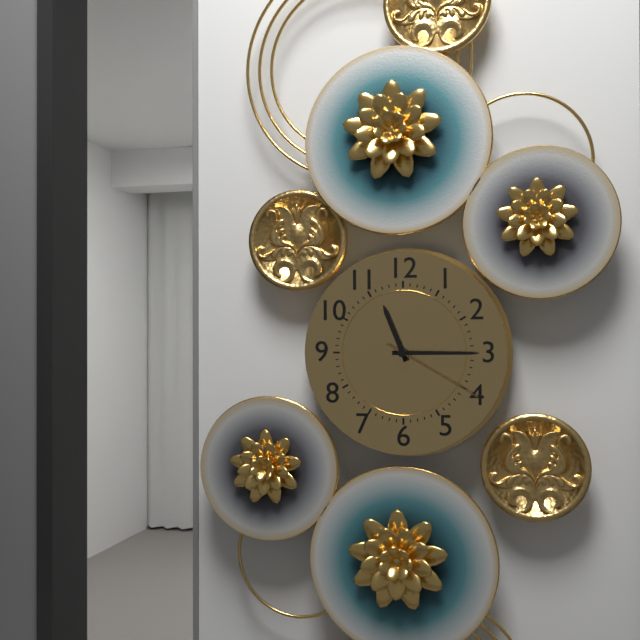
11:15:20
